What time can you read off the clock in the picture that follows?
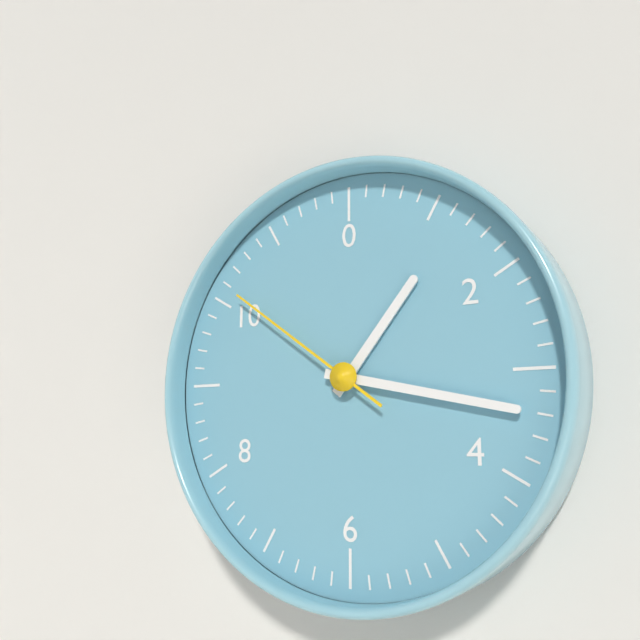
1:17:51
